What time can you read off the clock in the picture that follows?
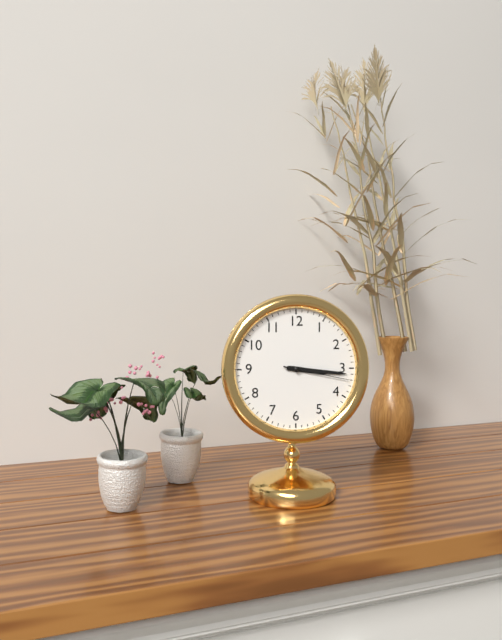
3:16:17
